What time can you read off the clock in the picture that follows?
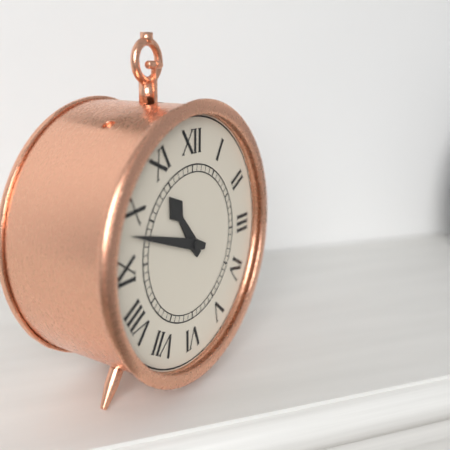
10:48
